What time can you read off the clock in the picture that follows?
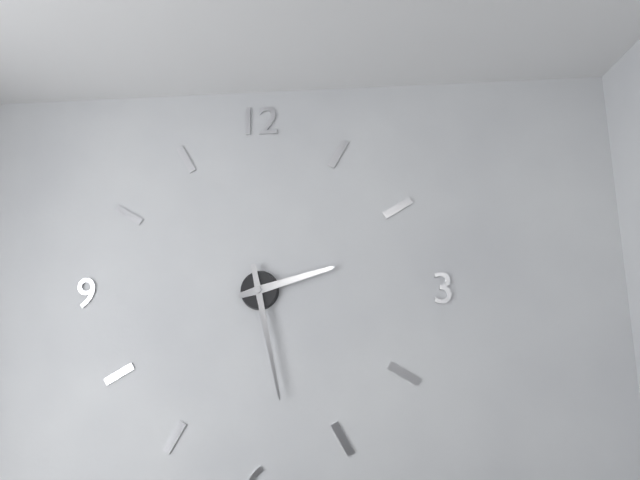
2:28
